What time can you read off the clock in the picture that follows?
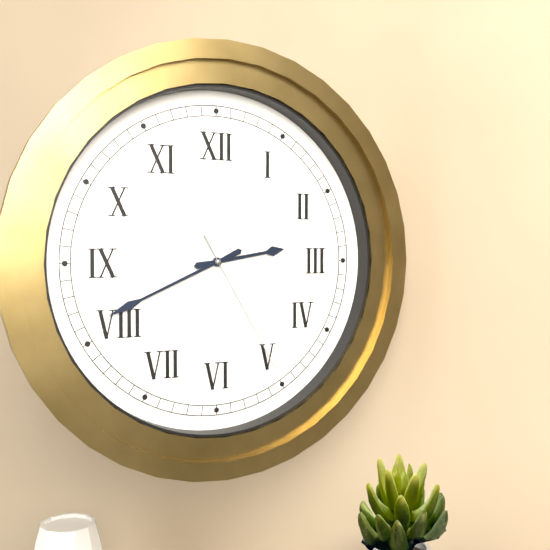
2:41:25
